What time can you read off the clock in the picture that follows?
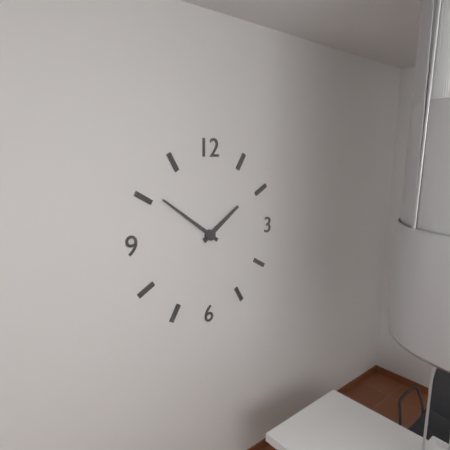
1:51
